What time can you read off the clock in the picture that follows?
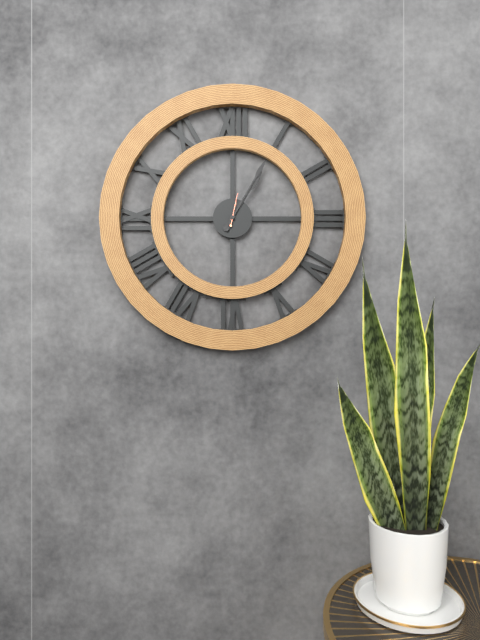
1:05
